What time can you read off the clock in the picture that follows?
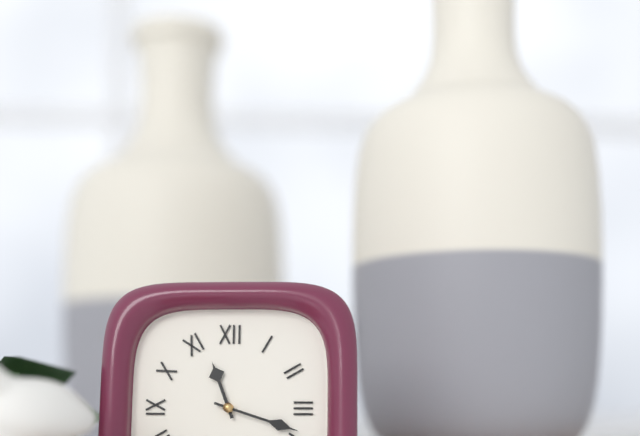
11:18
